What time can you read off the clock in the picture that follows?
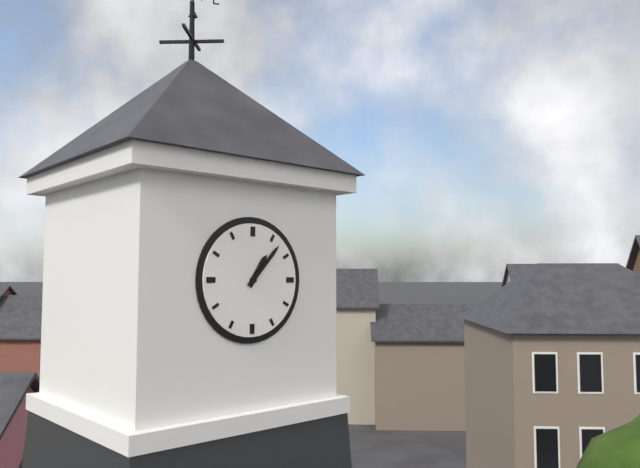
1:07
